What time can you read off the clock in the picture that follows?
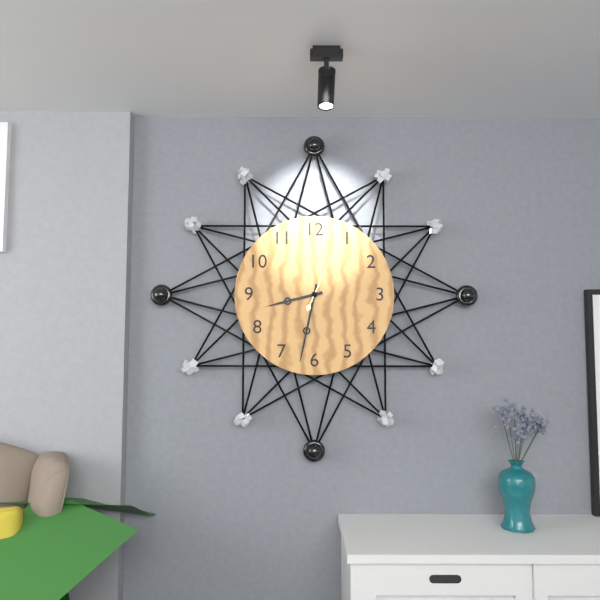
8:32:04
